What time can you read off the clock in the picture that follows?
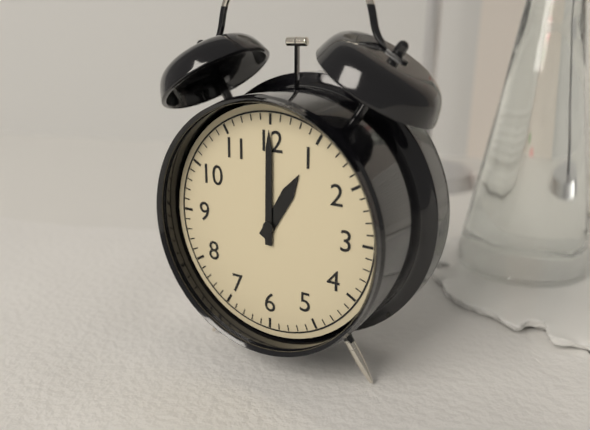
1:00
